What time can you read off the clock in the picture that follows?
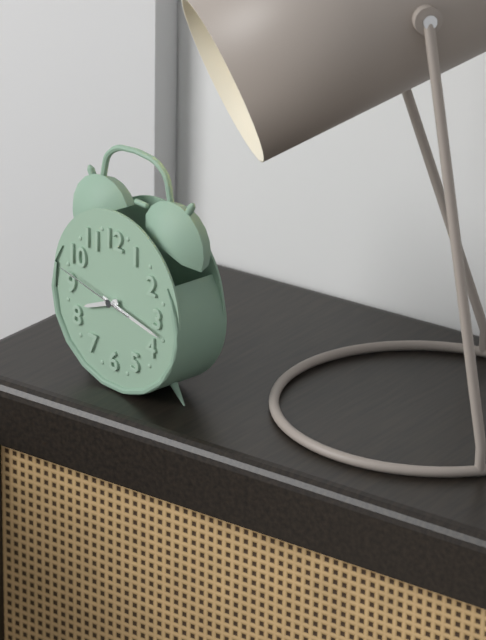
8:17:47
